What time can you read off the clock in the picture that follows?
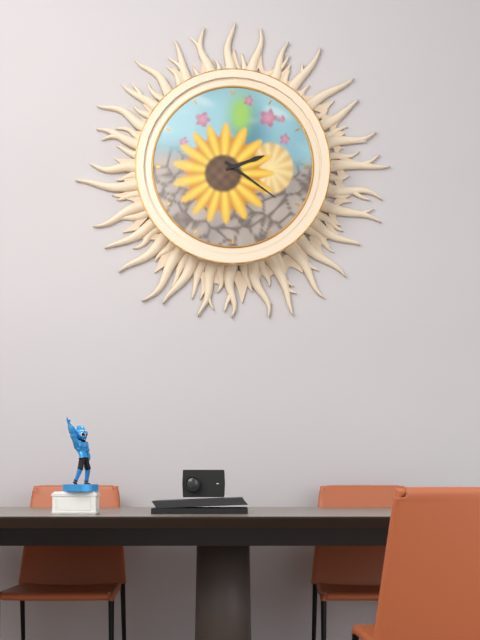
2:21
